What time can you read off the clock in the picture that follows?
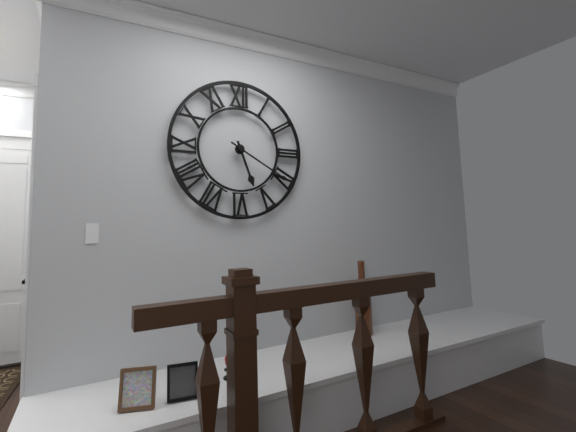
5:20
